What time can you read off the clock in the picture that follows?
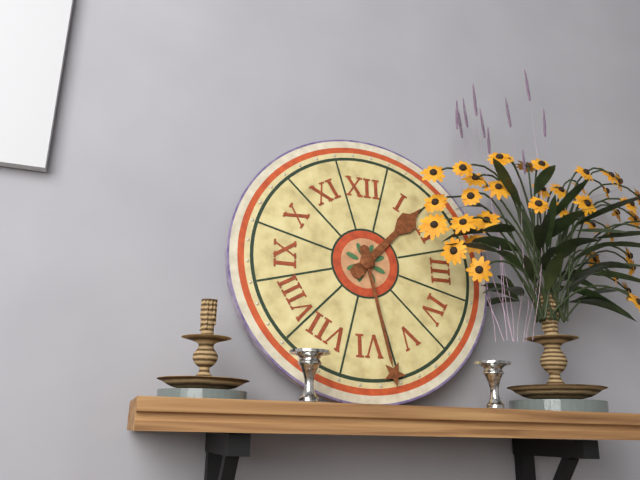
1:28
